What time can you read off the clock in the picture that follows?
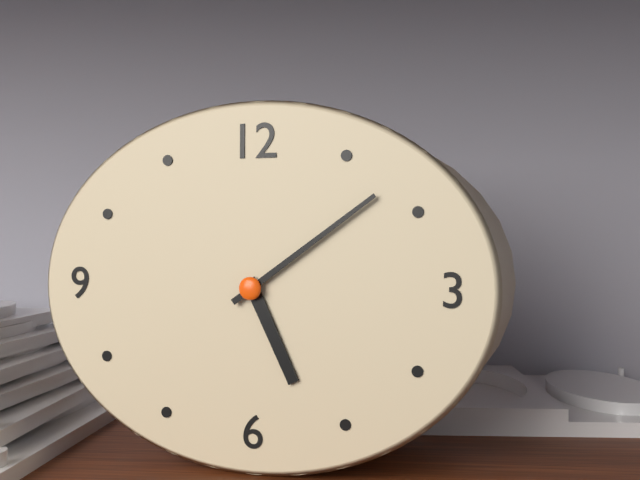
5:09
